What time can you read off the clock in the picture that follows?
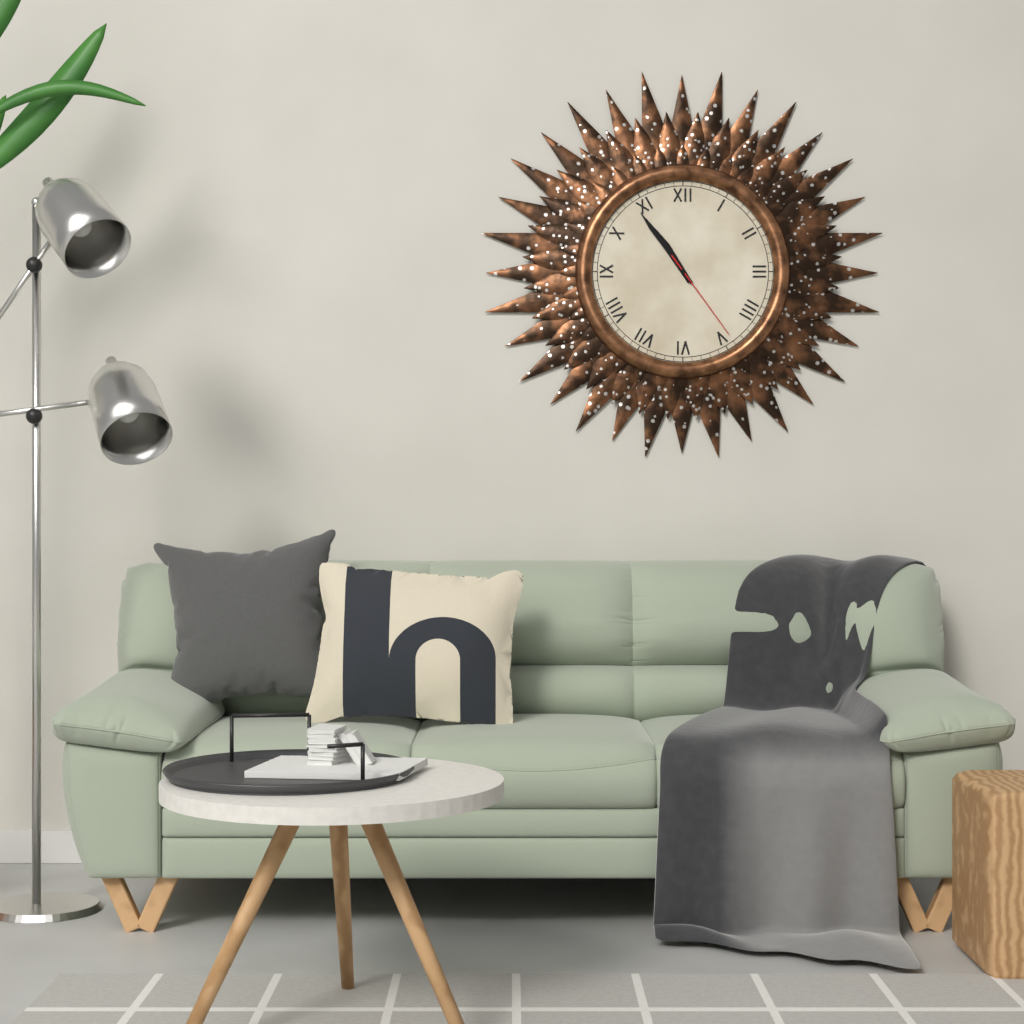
10:54:24
